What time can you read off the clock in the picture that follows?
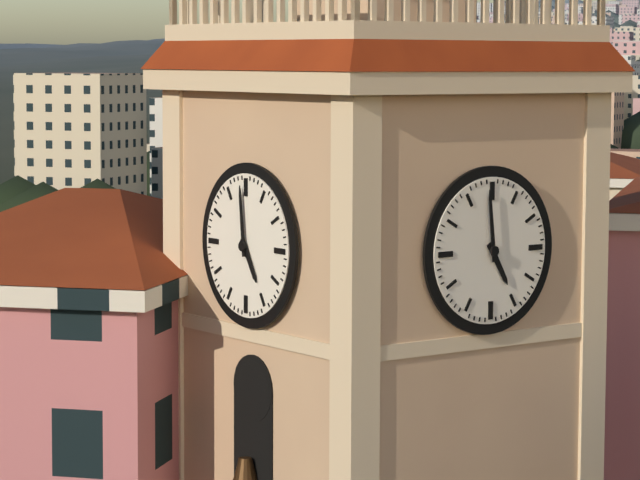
4:59
